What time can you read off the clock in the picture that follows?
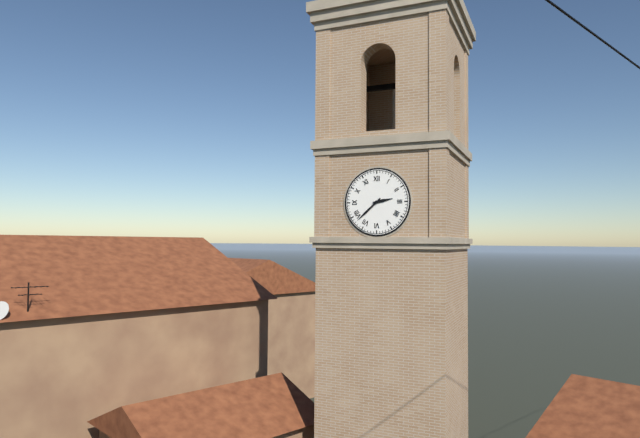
2:38
